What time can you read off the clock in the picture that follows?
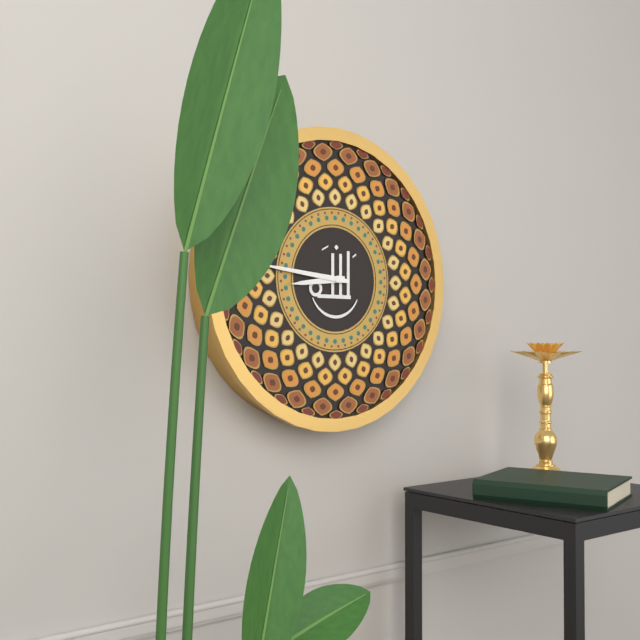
8:46
